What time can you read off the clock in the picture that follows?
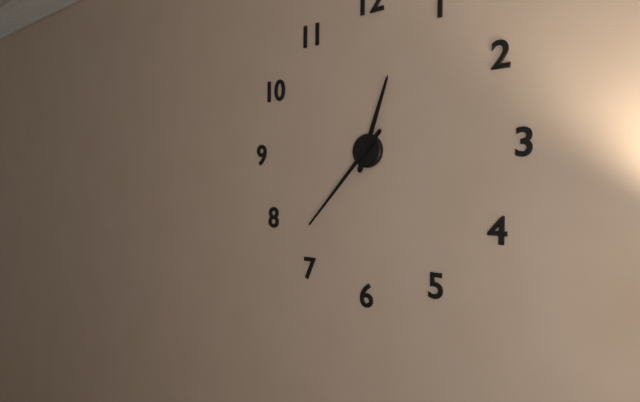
12:37
